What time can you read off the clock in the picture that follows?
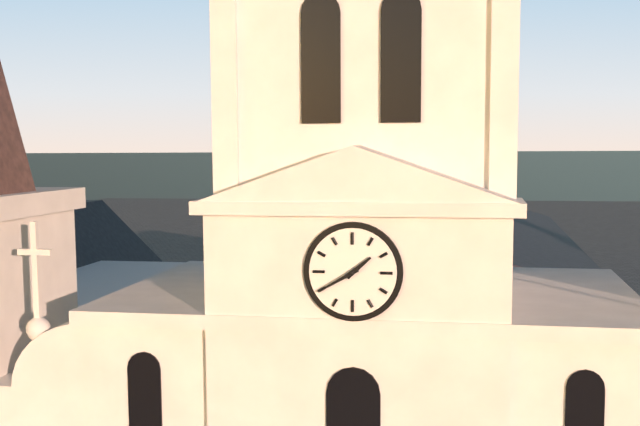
1:40
